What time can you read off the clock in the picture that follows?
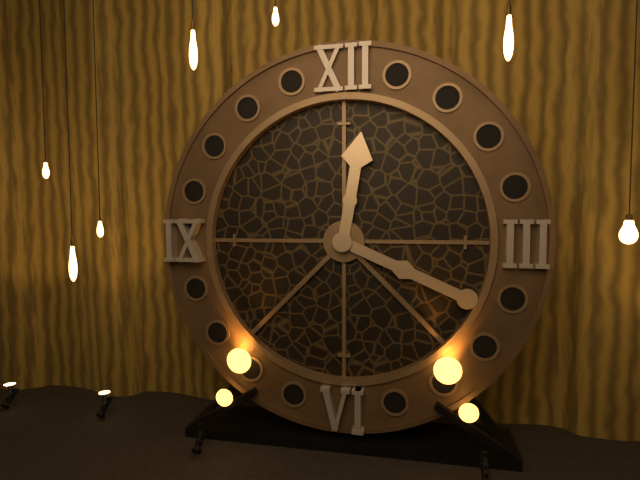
12:19
